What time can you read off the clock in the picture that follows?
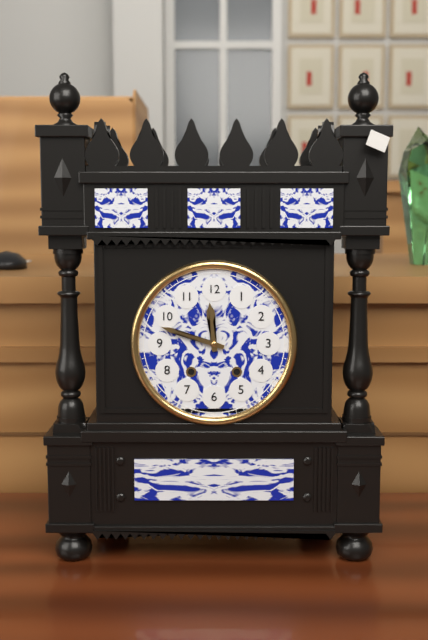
11:48
